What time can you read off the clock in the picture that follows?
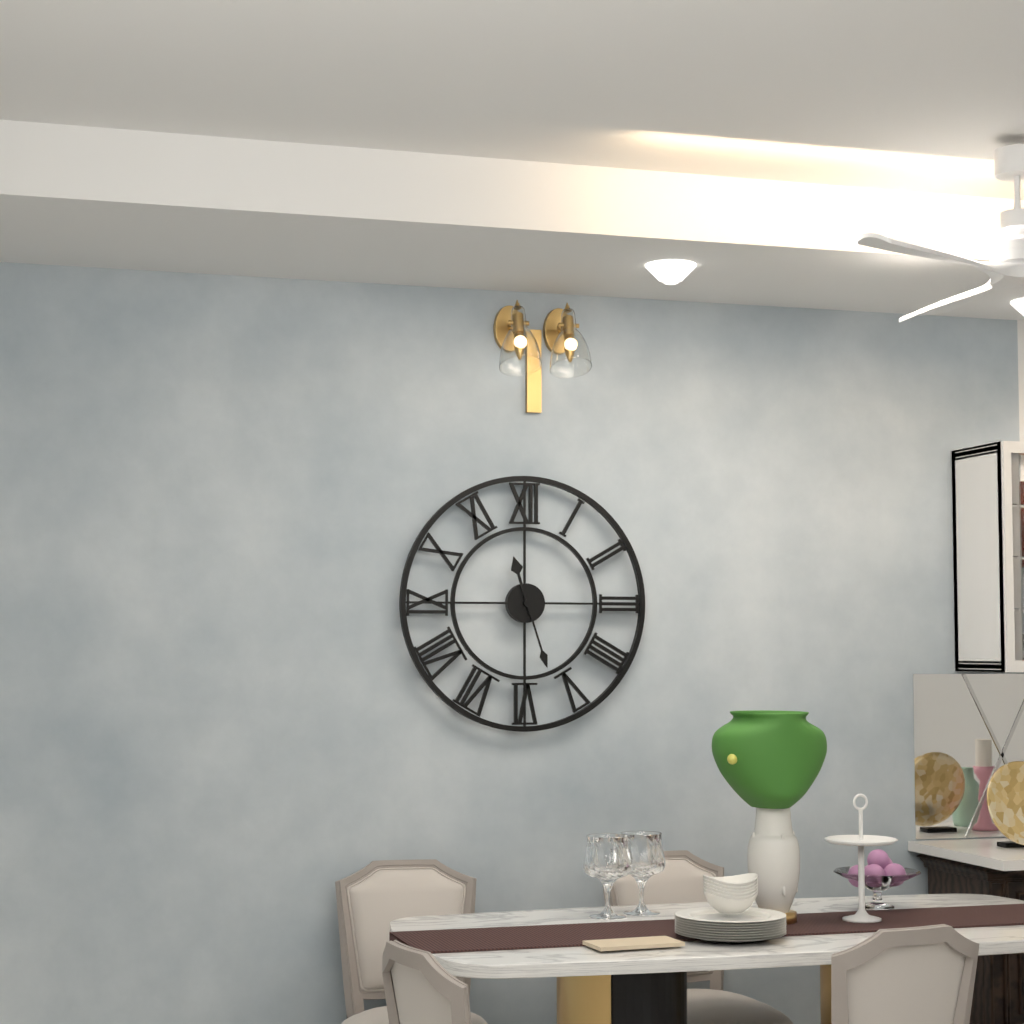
11:27
